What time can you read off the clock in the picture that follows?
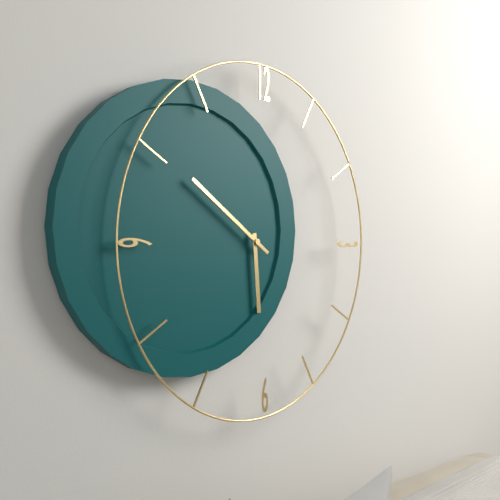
5:51
